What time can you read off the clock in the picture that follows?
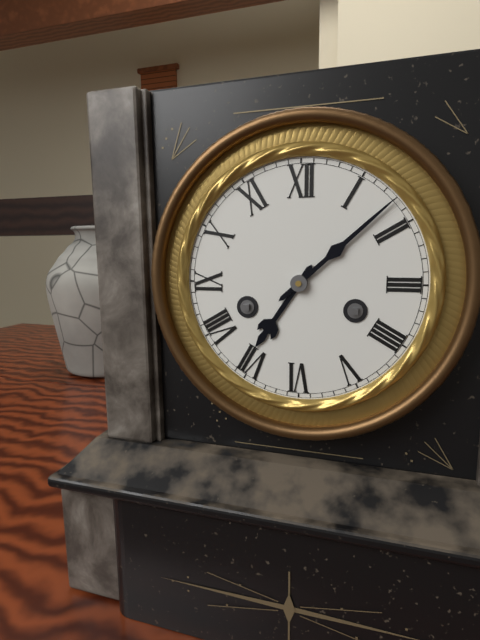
7:08
